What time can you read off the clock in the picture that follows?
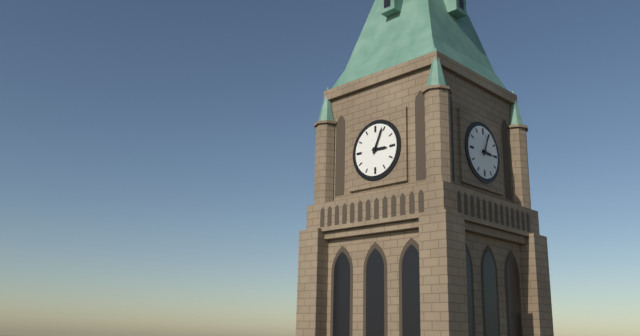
3:04
